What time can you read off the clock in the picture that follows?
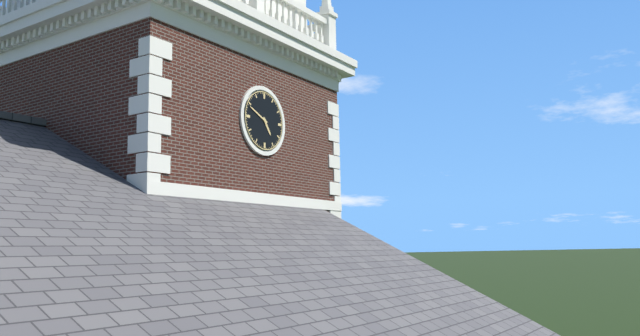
4:49
